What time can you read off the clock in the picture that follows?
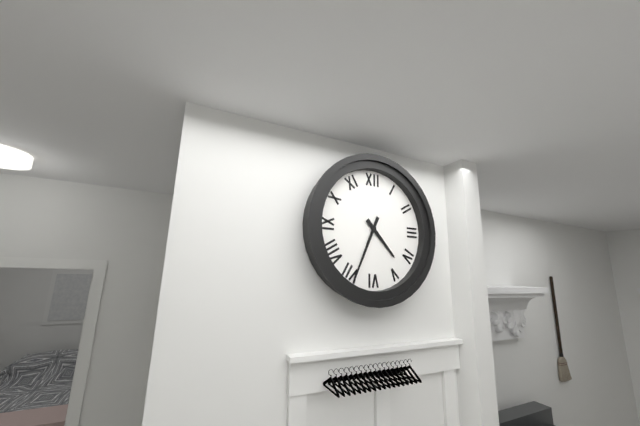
4:34
